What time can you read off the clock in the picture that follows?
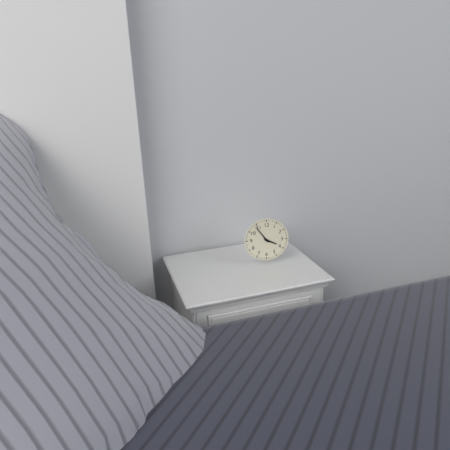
3:54
